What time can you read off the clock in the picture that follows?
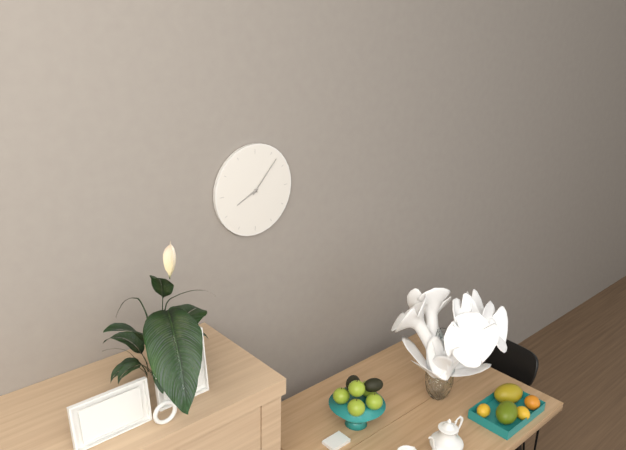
8:07
